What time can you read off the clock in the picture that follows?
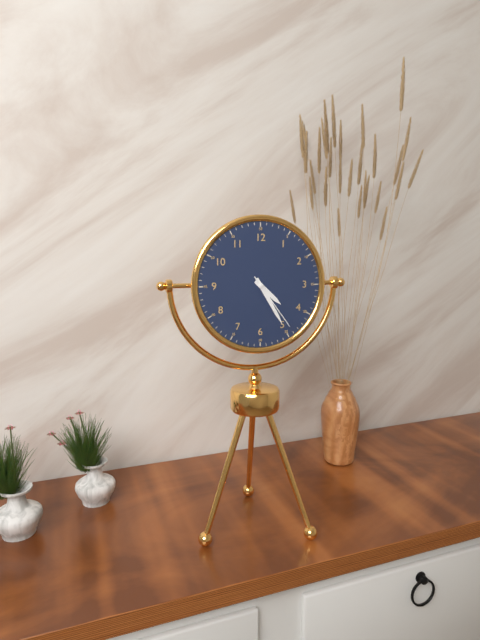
4:25:24
